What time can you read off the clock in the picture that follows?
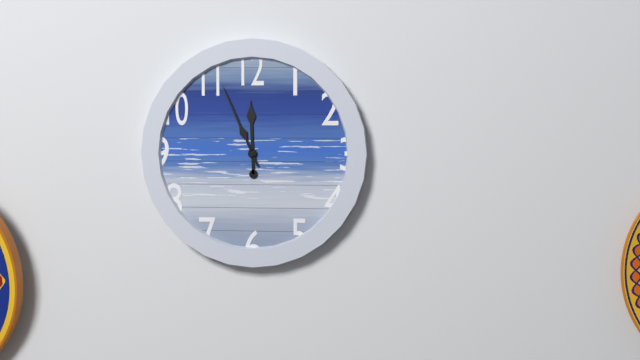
11:56
